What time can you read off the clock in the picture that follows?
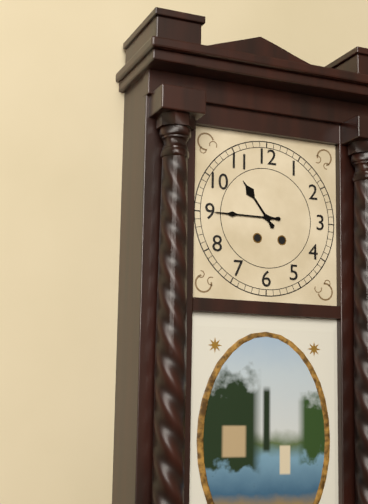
10:45
